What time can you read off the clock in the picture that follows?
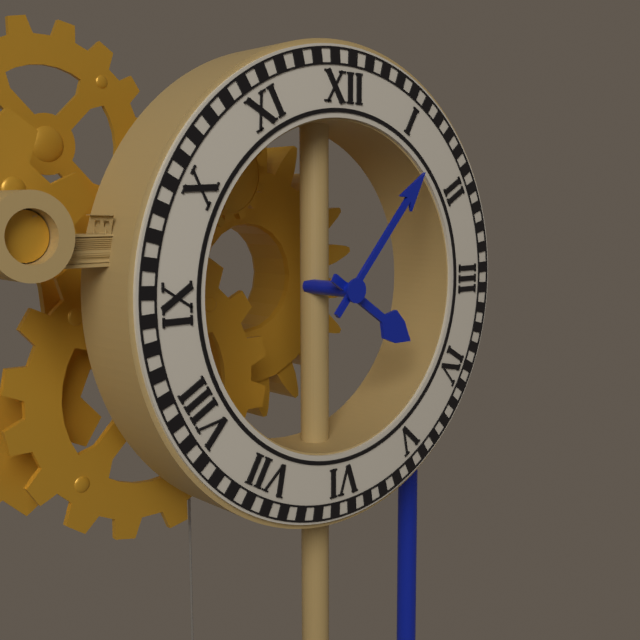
4:07
